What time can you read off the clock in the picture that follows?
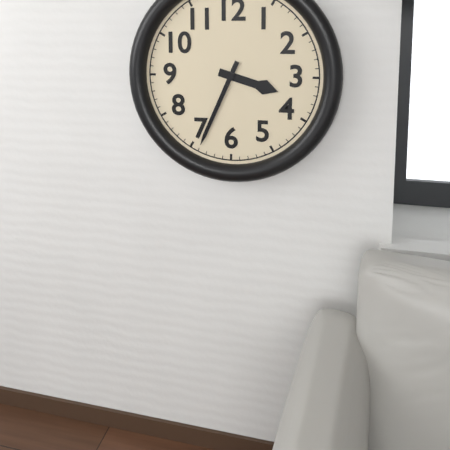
3:34
